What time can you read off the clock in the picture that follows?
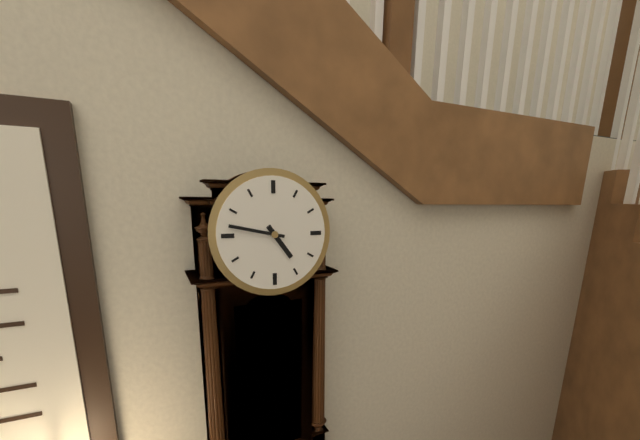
4:47
